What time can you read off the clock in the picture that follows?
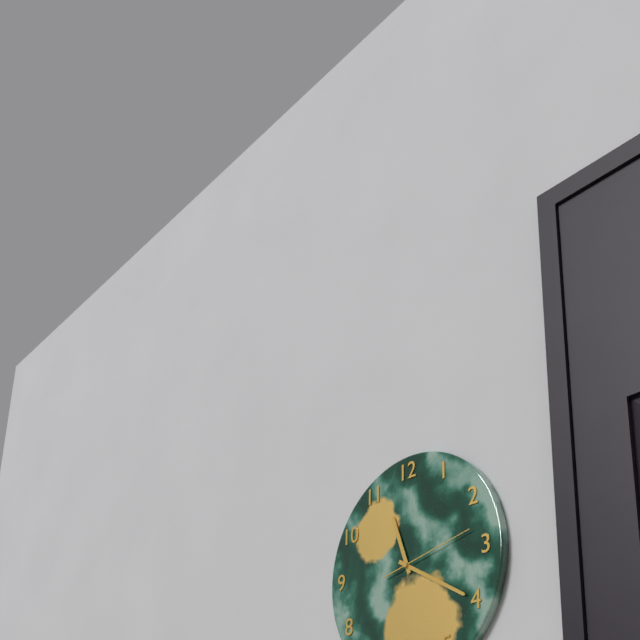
11:20:13
